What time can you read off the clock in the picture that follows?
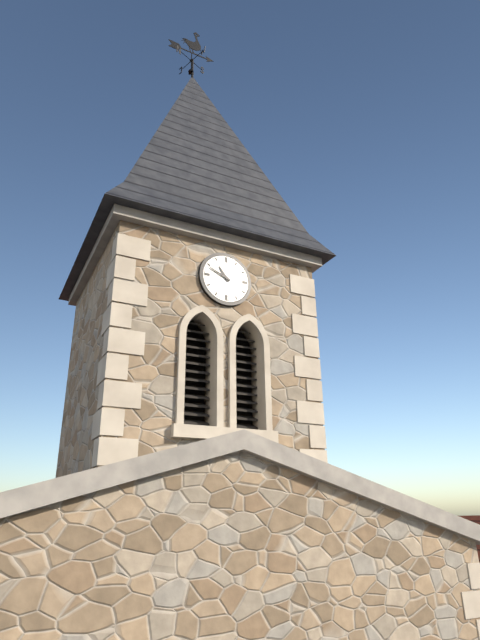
10:49
